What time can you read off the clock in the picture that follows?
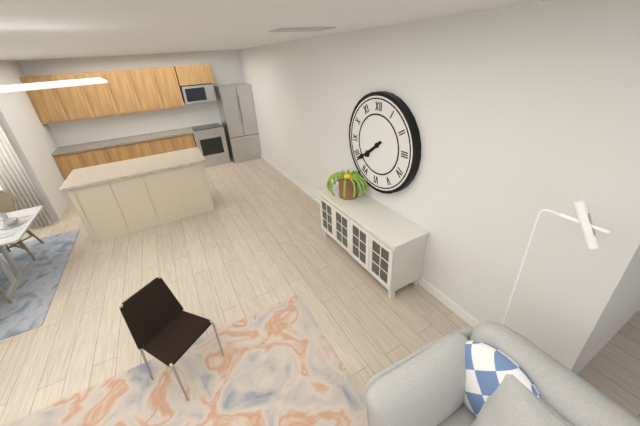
7:39
